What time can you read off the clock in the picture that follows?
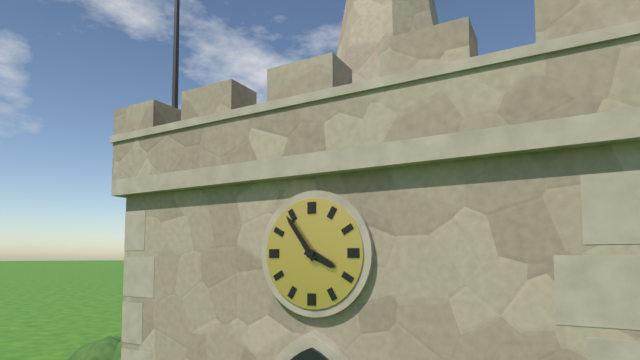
3:54
